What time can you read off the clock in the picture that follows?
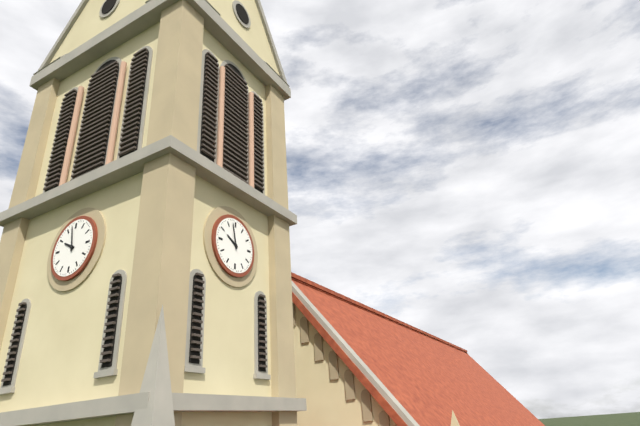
9:58
